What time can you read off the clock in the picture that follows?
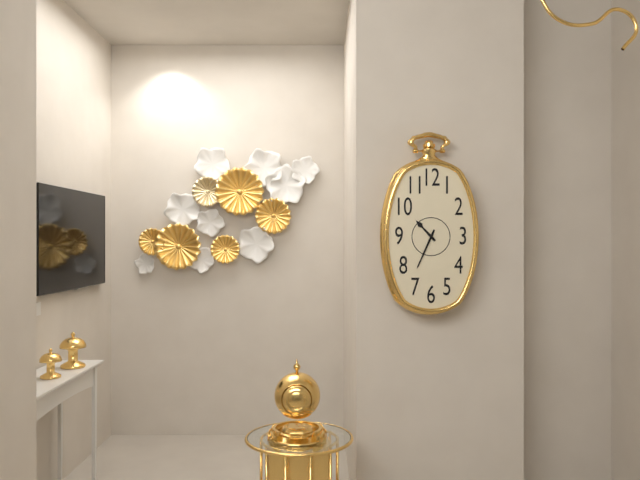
10:34
